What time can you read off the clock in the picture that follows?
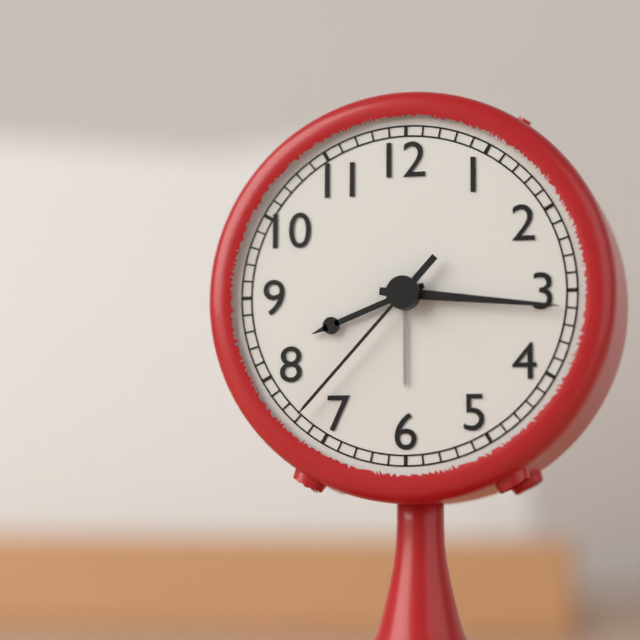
8:16:37
